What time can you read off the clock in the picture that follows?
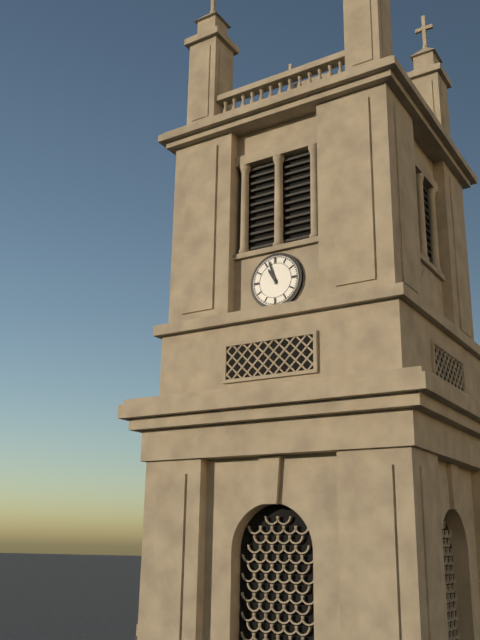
10:57
